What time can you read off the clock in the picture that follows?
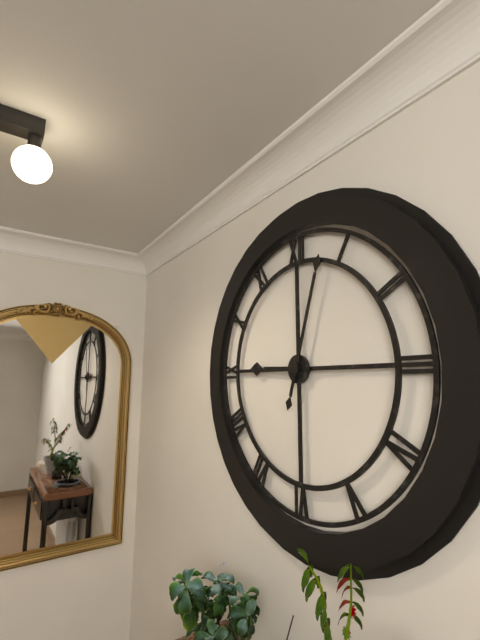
9:03
